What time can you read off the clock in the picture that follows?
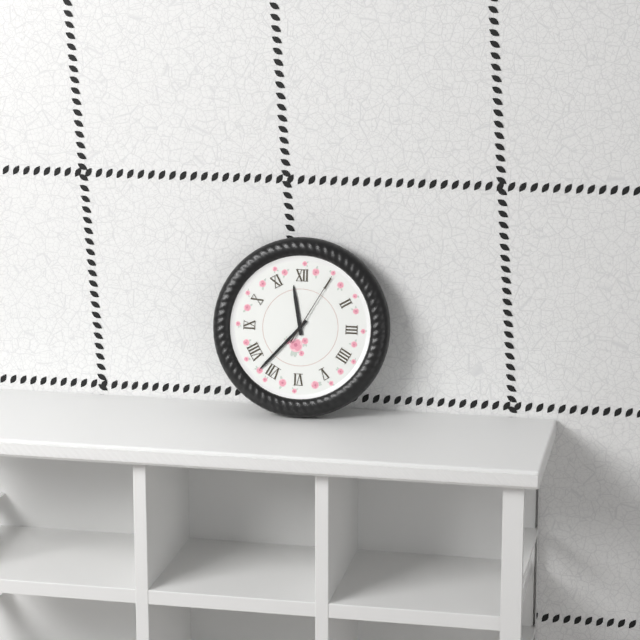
11:37:05
